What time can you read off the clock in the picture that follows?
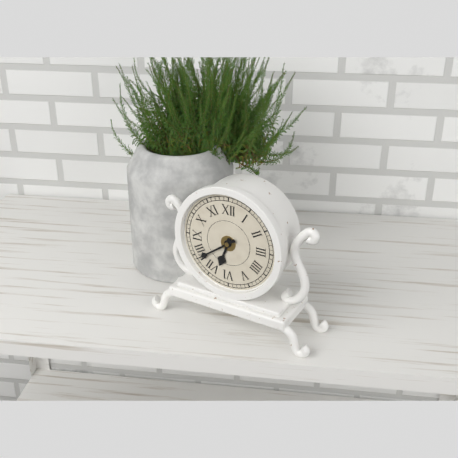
6:39
